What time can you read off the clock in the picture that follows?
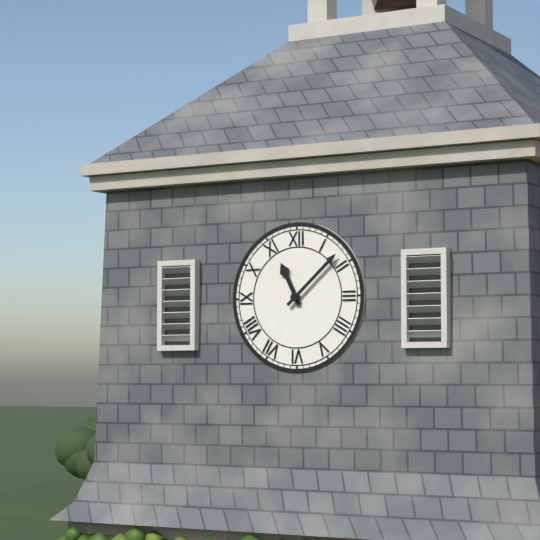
11:08
